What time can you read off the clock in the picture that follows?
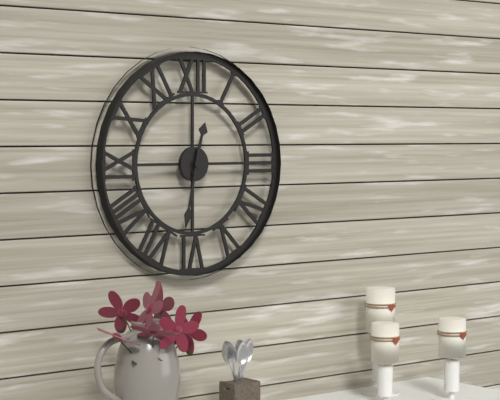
12:32
